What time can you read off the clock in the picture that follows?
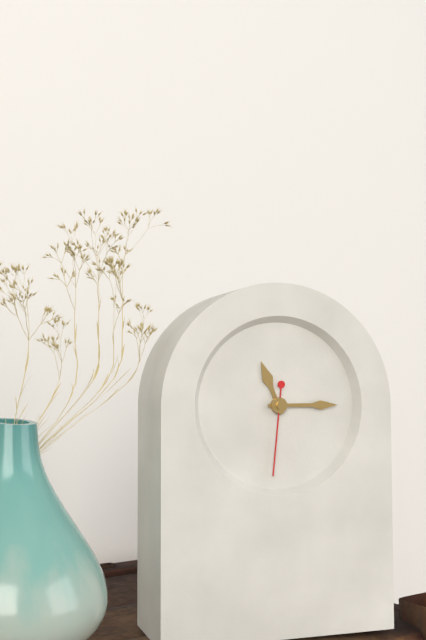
11:15:31
